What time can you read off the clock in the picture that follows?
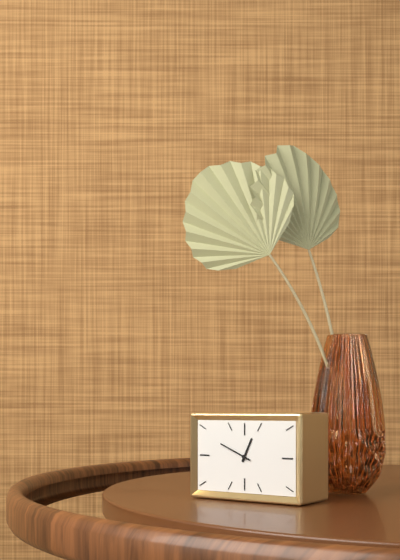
12:49
